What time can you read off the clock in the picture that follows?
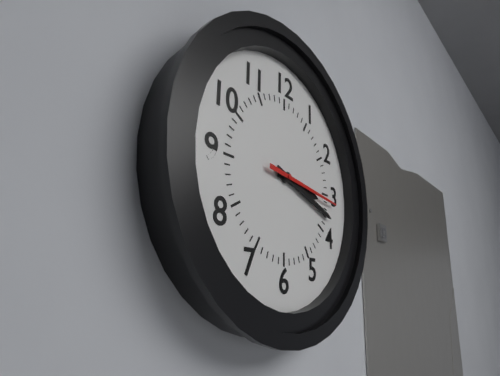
3:18:16
